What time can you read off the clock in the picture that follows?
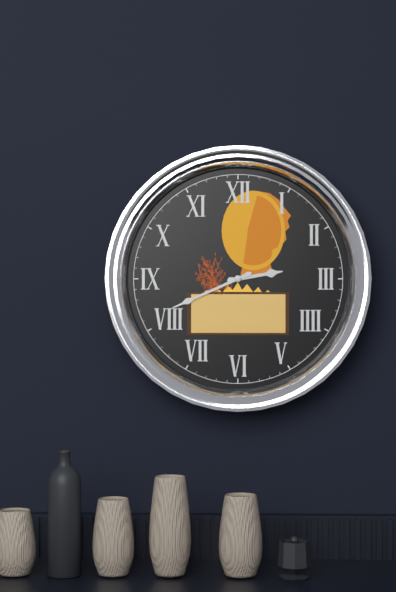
2:41
